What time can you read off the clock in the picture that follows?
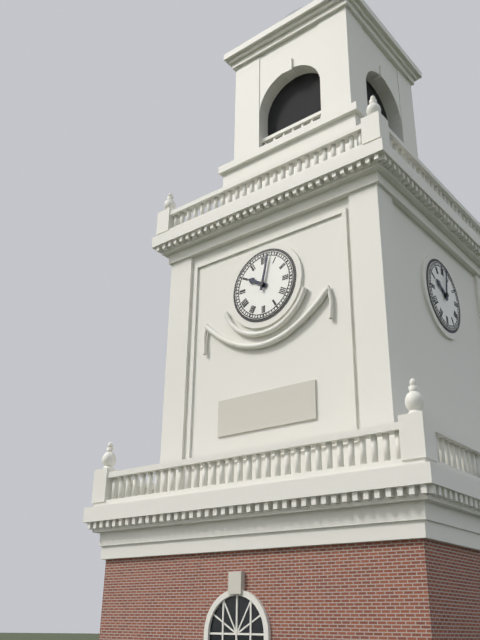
10:02
